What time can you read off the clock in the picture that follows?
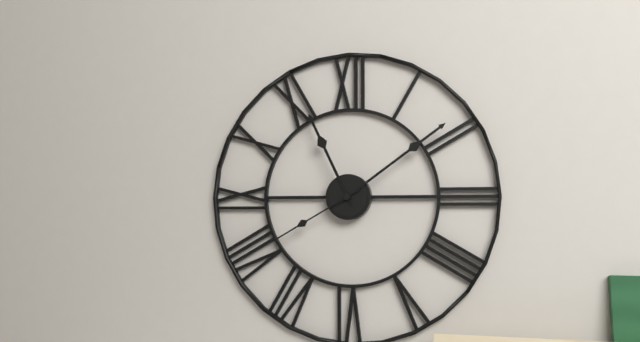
11:09:40
